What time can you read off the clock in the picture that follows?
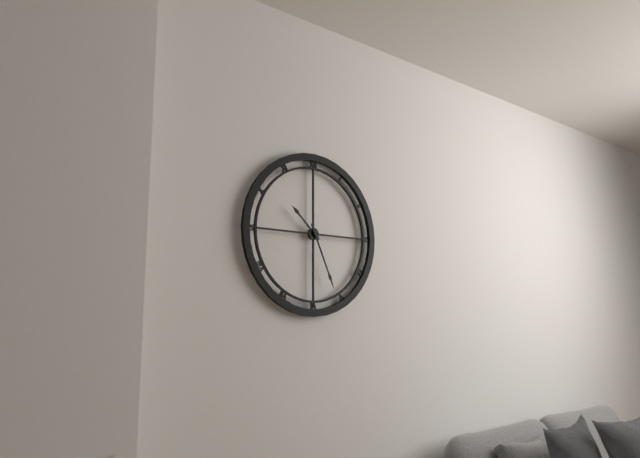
10:26
